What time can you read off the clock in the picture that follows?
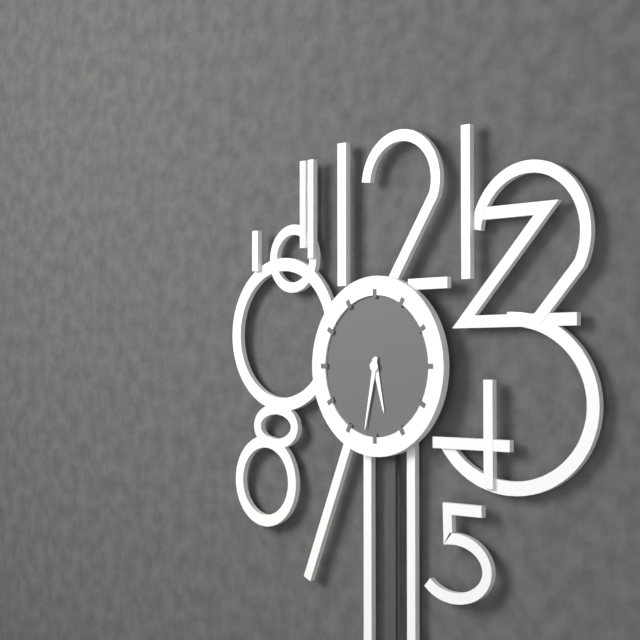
5:32
